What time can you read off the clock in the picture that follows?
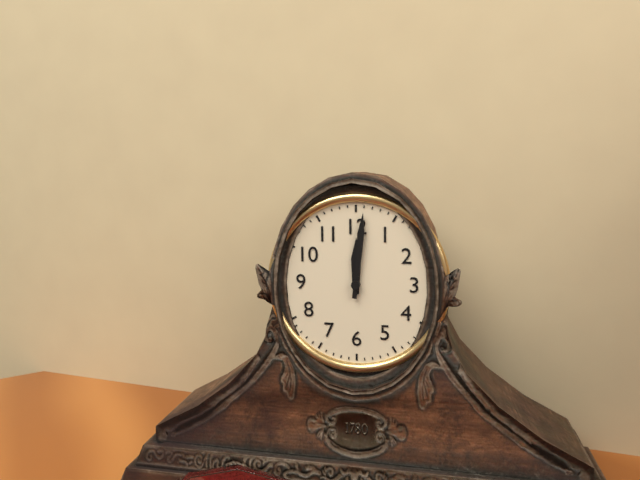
12:01
